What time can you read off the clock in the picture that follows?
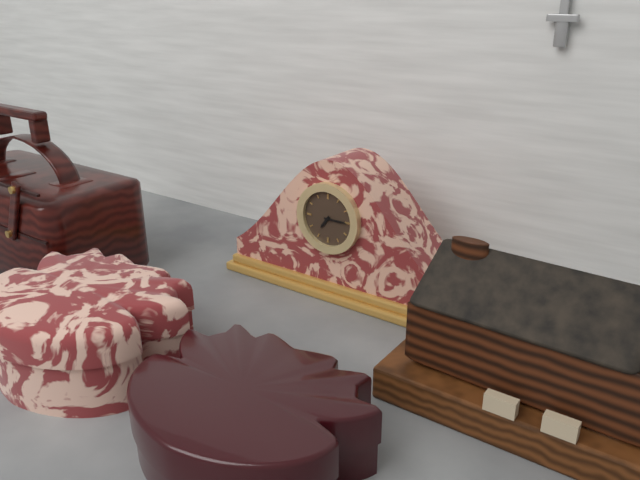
7:15
